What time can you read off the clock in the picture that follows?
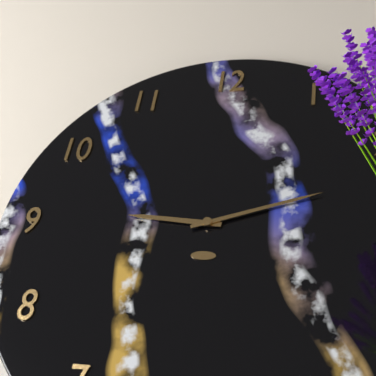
9:12
